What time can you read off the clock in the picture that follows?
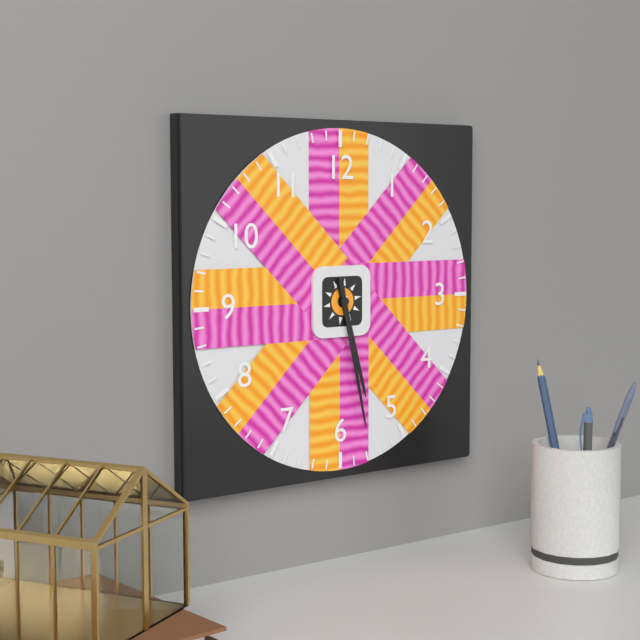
5:28
